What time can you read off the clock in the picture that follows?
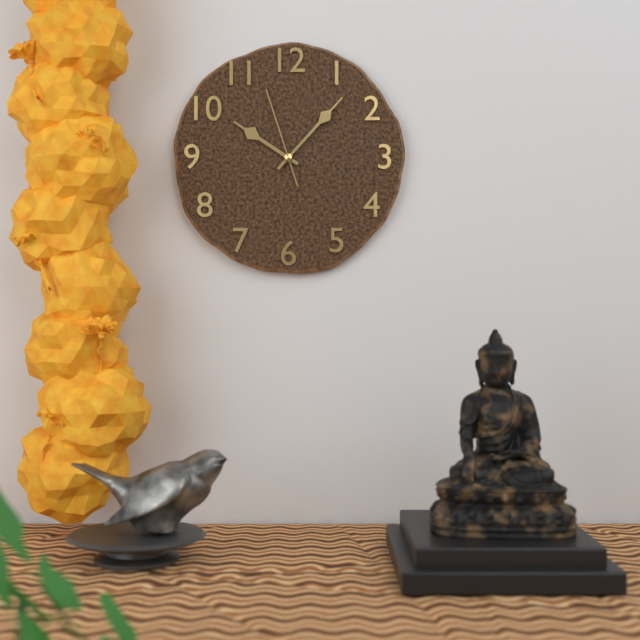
10:07:57
